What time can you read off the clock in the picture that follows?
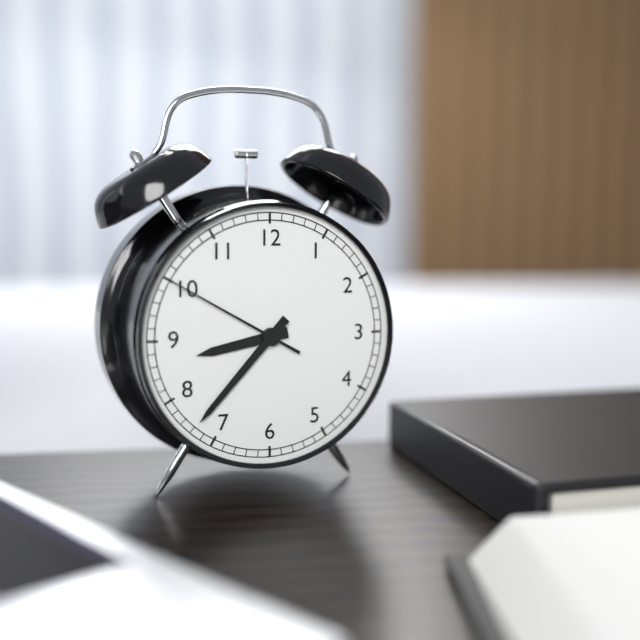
8:37:50
